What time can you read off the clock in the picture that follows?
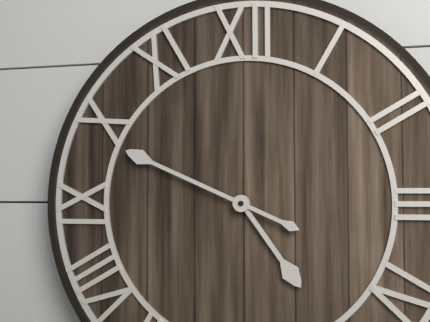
4:49
